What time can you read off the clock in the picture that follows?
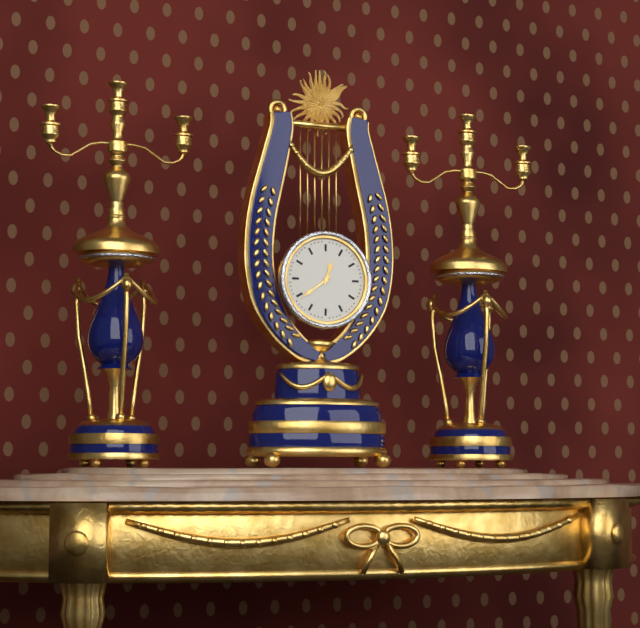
12:39
